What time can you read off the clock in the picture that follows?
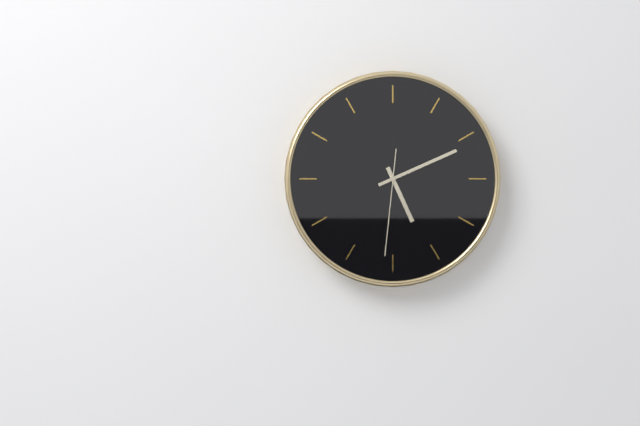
5:11:31
